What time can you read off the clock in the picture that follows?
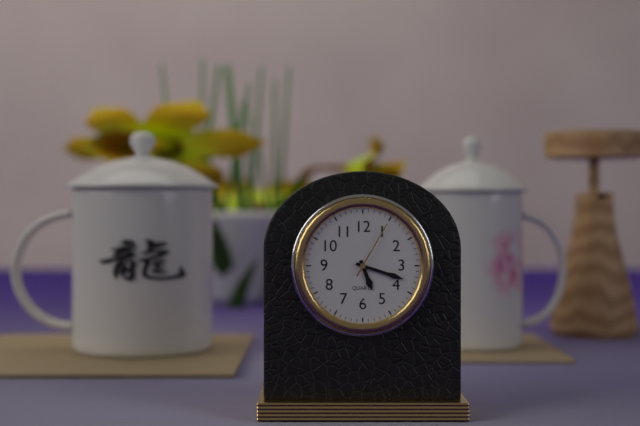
5:18:05
